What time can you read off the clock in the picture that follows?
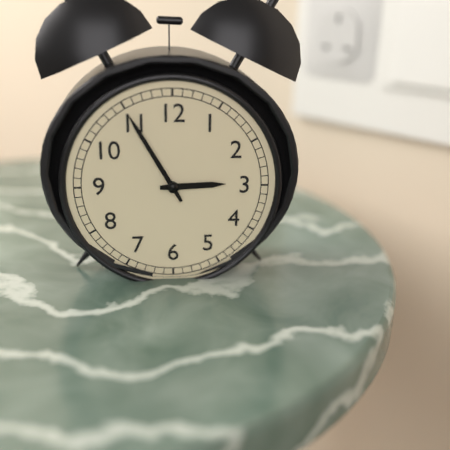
2:55
